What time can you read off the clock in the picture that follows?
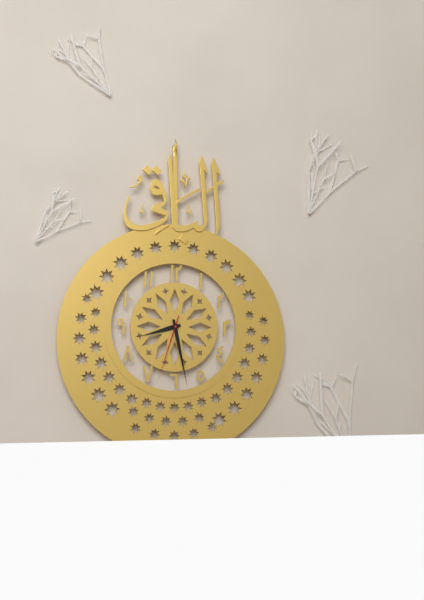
8:28:33
